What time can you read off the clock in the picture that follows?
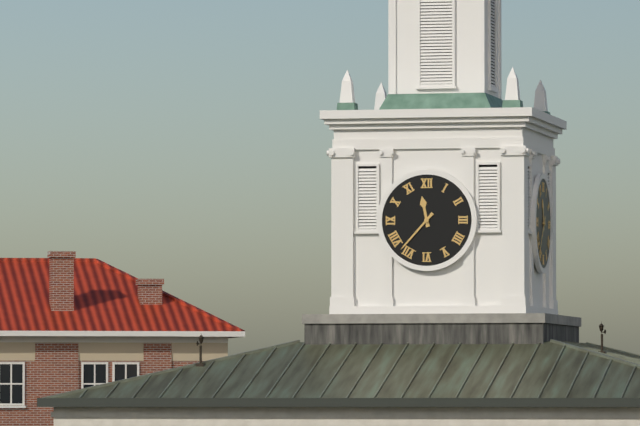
11:37
